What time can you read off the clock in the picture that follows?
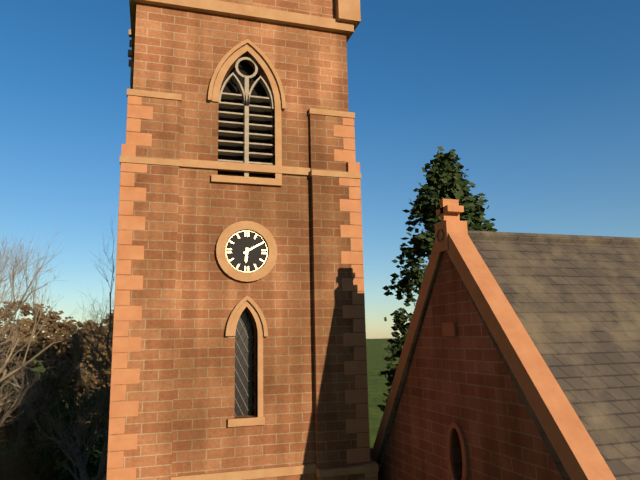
6:10
